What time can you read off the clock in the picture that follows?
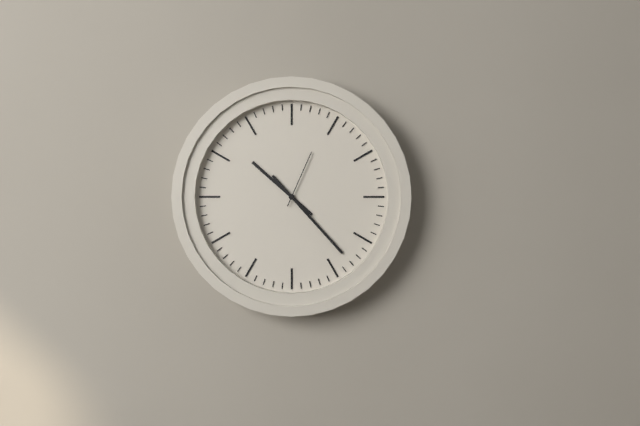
10:23:04
